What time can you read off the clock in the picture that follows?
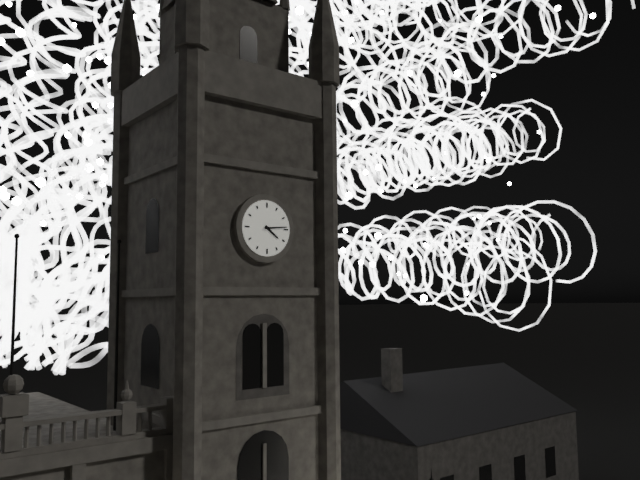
4:14
